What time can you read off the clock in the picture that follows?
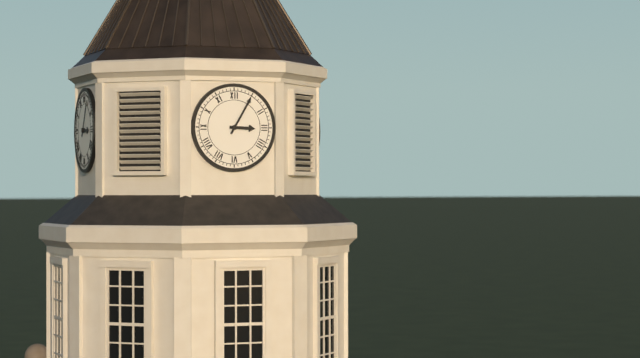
3:05
